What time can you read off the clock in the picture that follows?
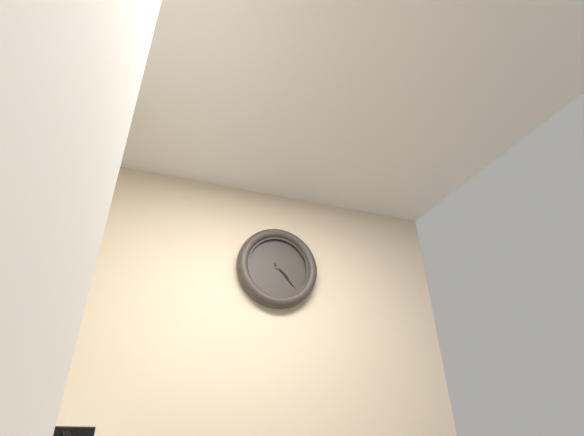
4:23
